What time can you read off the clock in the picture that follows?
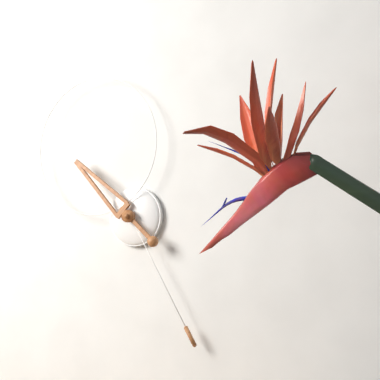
10:25
